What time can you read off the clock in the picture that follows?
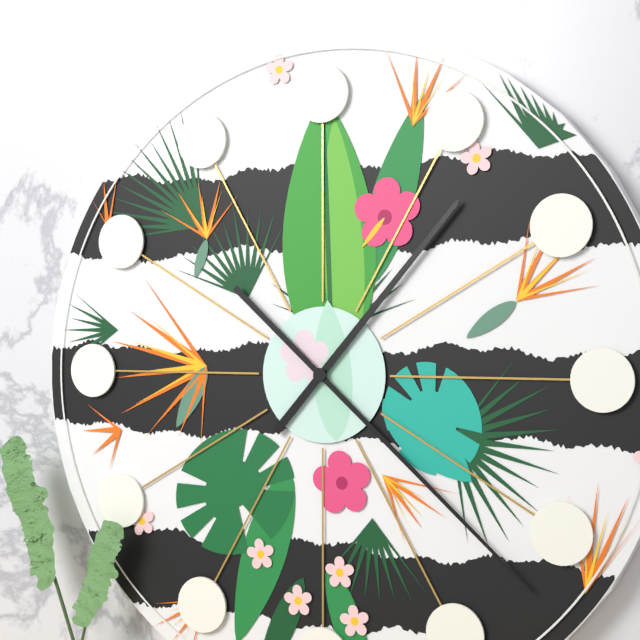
1:22
